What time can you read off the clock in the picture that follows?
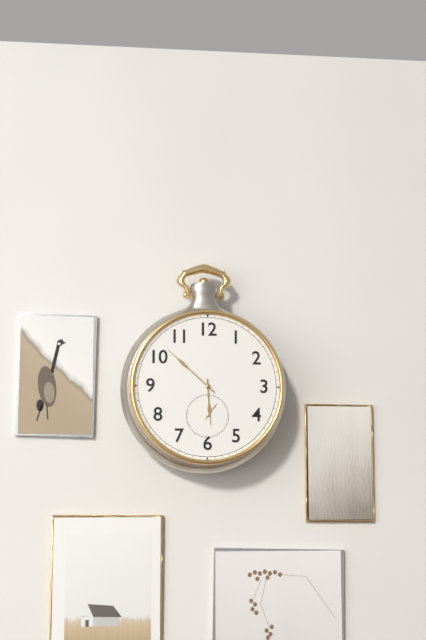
5:52
